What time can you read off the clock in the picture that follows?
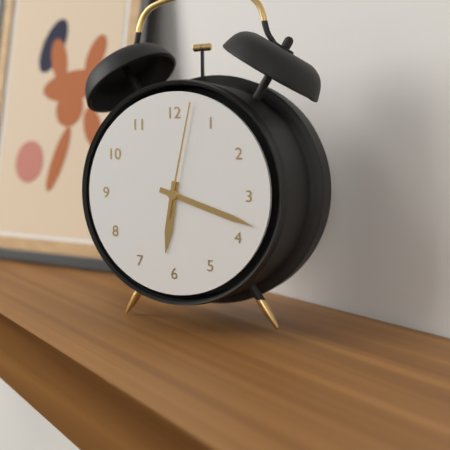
6:18:02
